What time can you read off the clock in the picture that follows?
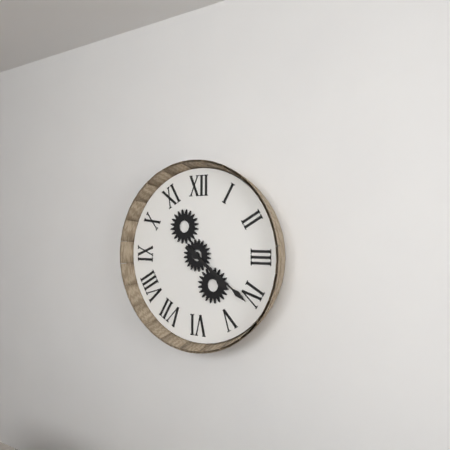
4:21
